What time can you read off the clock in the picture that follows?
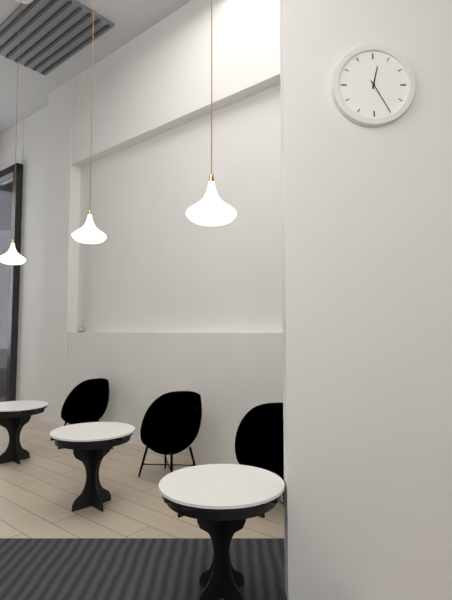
12:25
